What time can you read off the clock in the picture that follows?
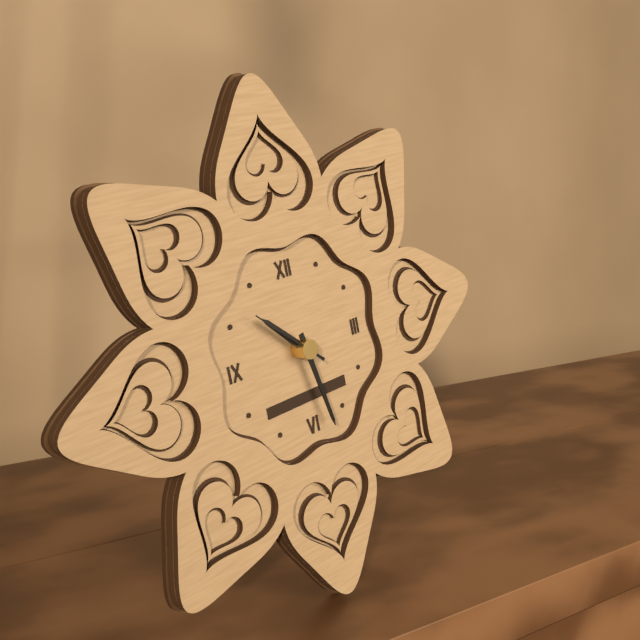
10:28:52
